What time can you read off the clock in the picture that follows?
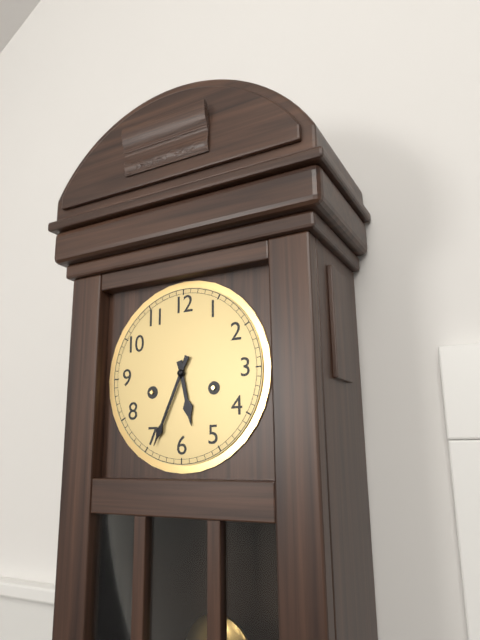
5:34
